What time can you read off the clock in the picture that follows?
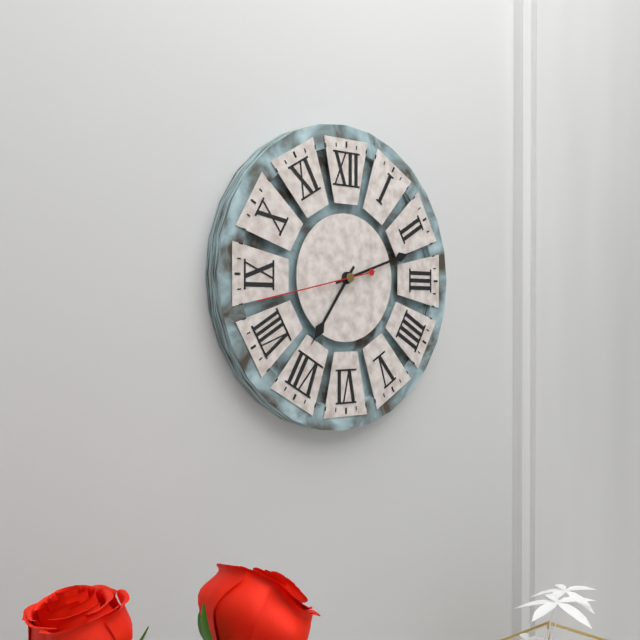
7:12:43
